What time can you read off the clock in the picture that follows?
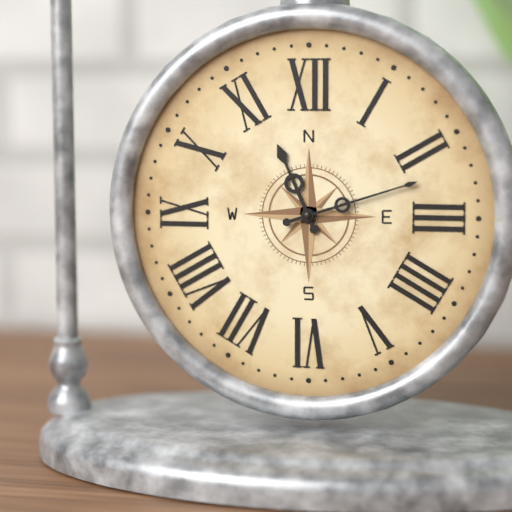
11:12
